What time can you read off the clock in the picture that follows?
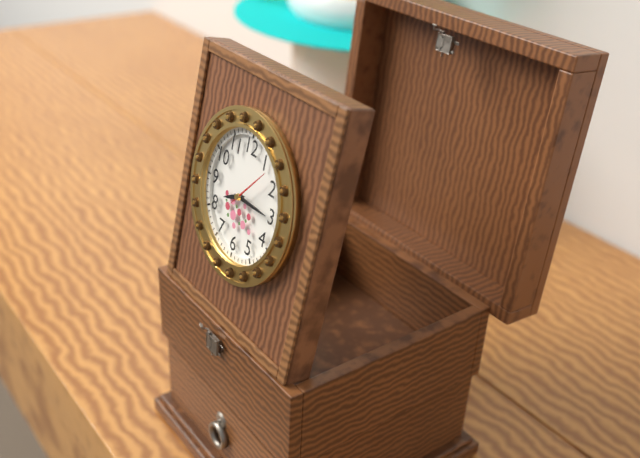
8:15
